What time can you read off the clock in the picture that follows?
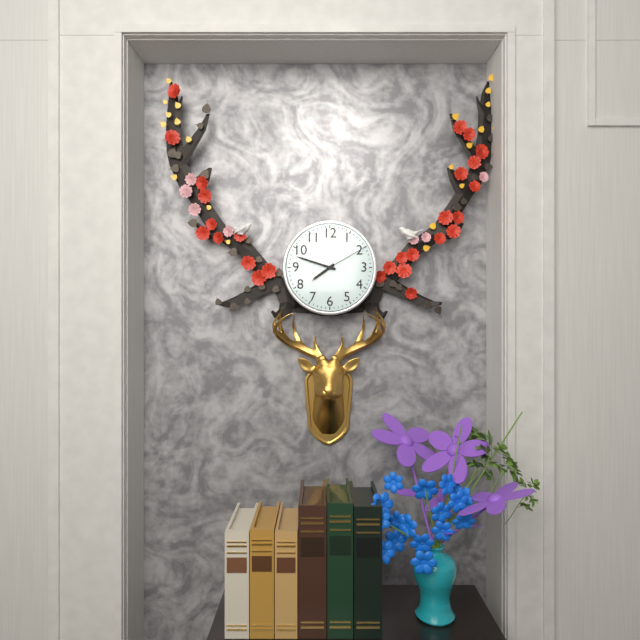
7:48
